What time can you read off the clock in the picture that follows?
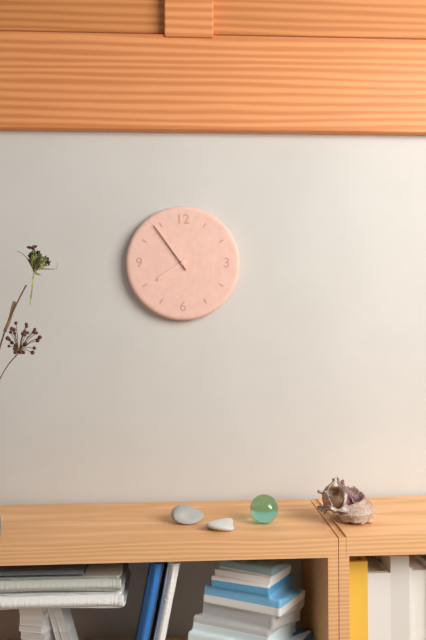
7:54
